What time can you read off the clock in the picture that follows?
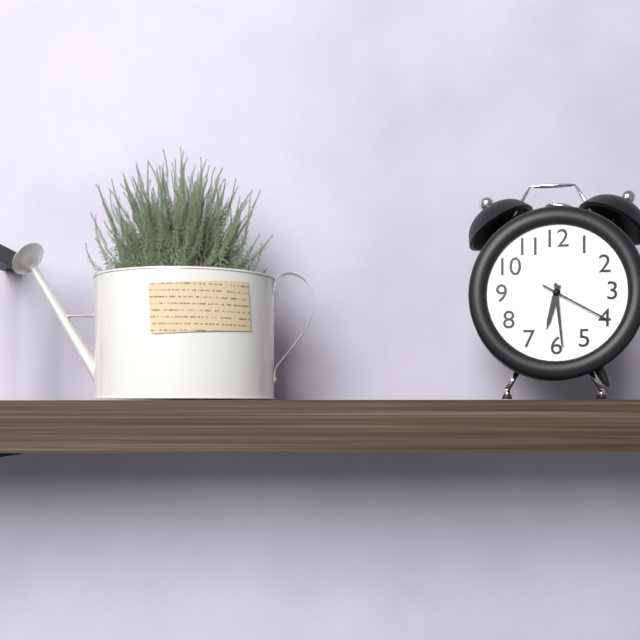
6:29:20
